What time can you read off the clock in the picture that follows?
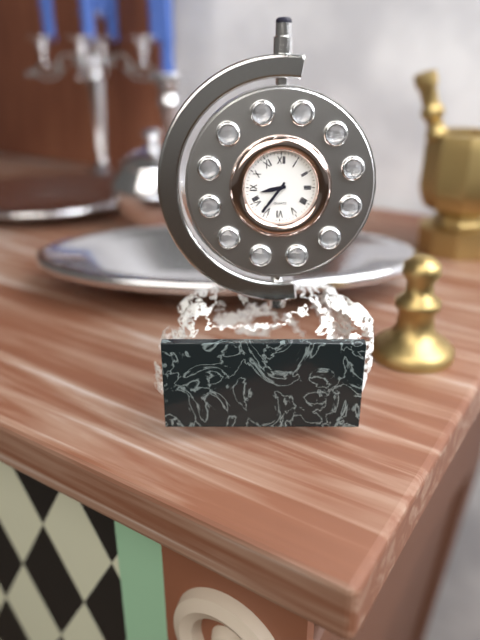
8:36
